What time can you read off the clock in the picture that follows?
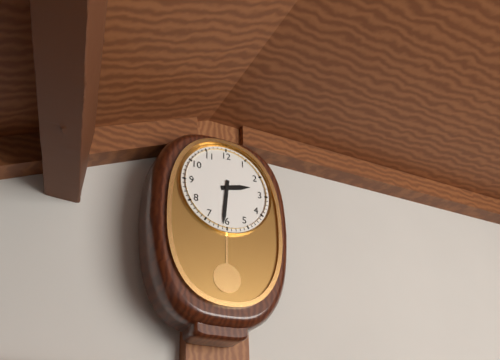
2:31
